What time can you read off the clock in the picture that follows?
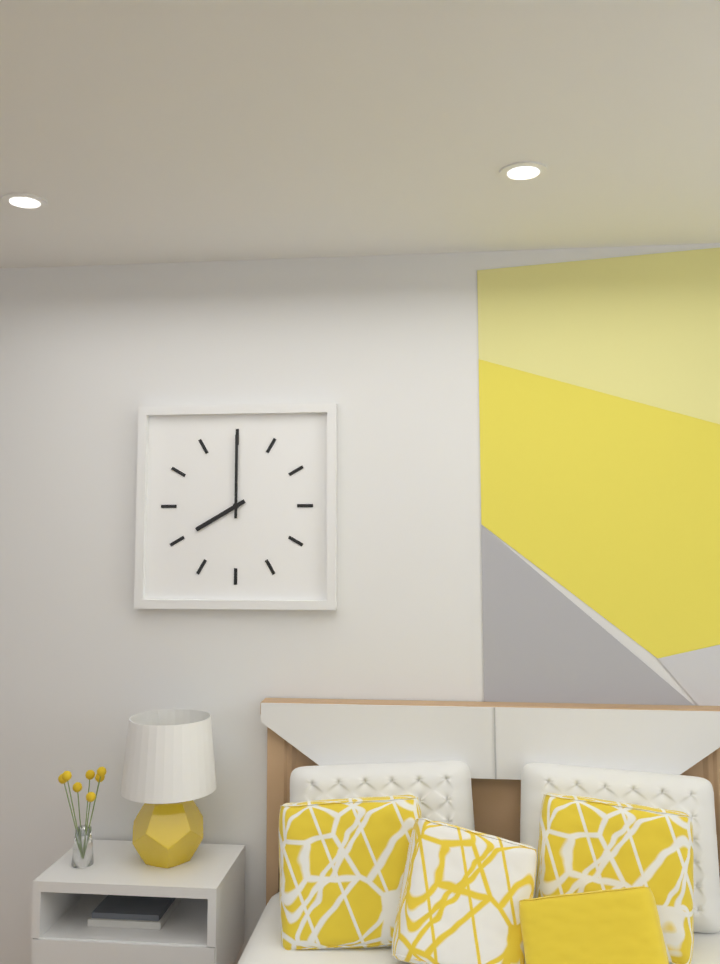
8:00
